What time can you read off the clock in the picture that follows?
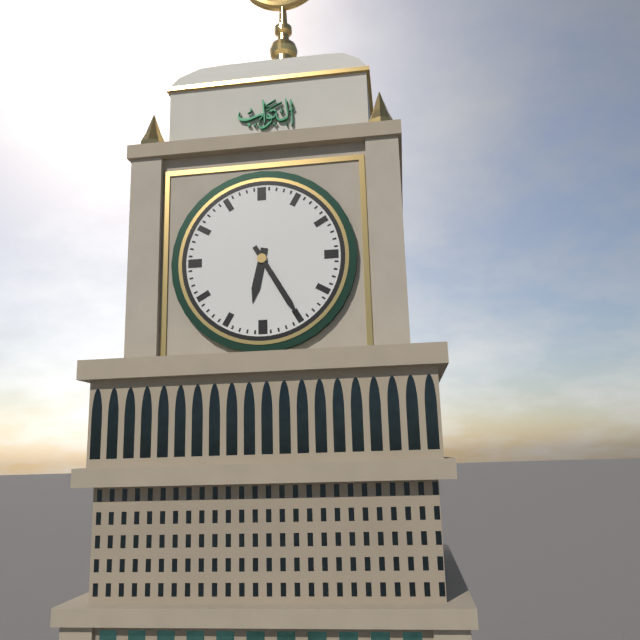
6:25
